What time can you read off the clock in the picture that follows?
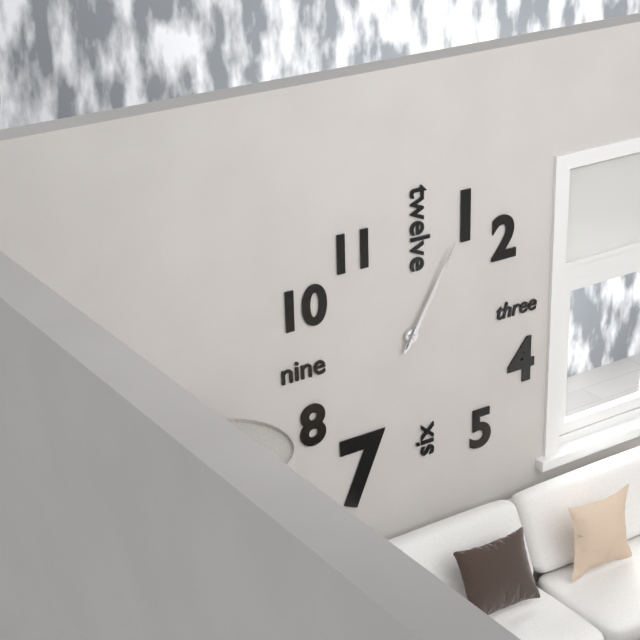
1:05
